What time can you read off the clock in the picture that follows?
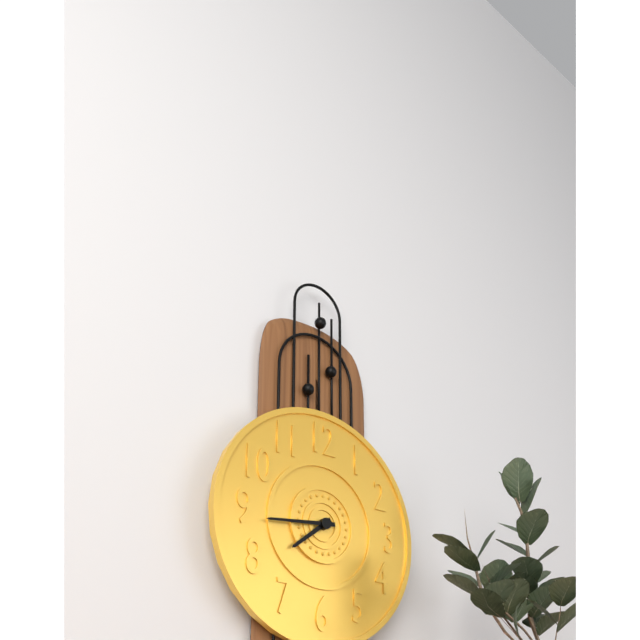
7:44
